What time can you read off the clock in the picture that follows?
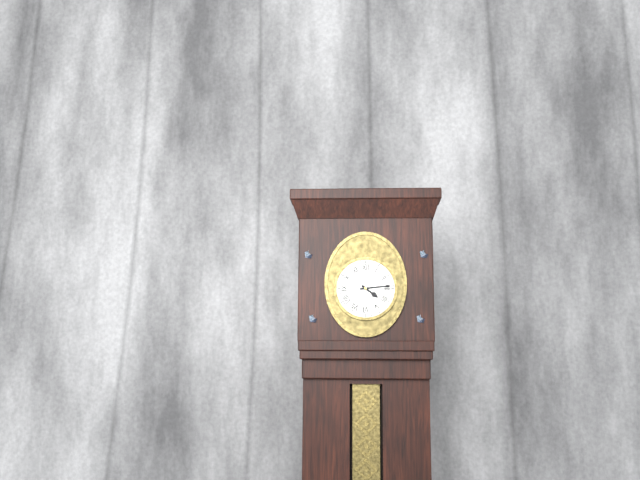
4:14
